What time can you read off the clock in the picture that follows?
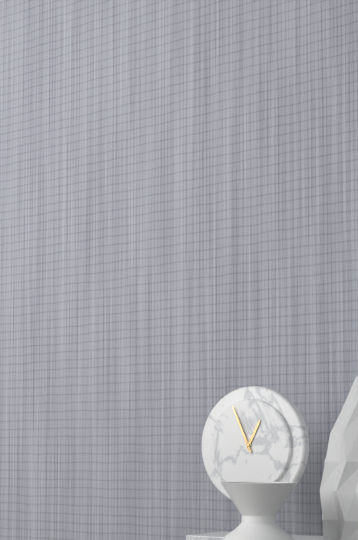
12:56
